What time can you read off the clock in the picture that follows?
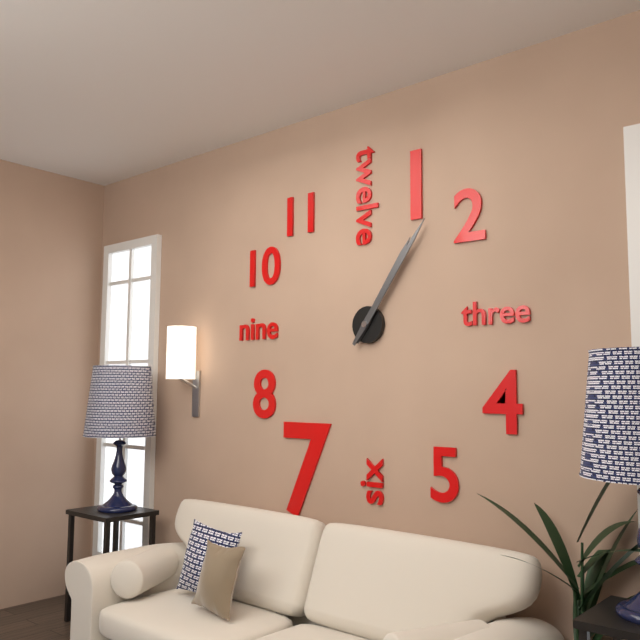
1:06
